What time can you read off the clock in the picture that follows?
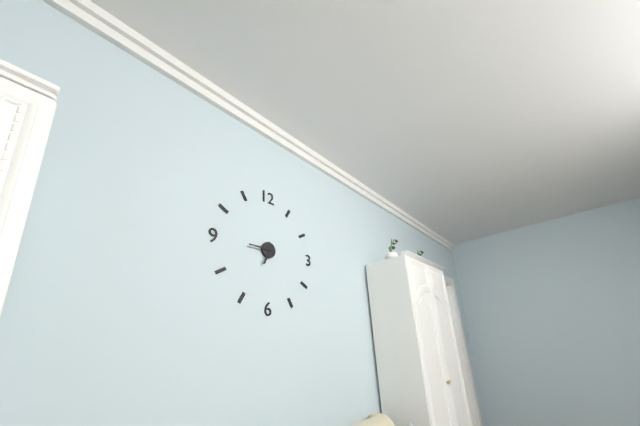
6:45
